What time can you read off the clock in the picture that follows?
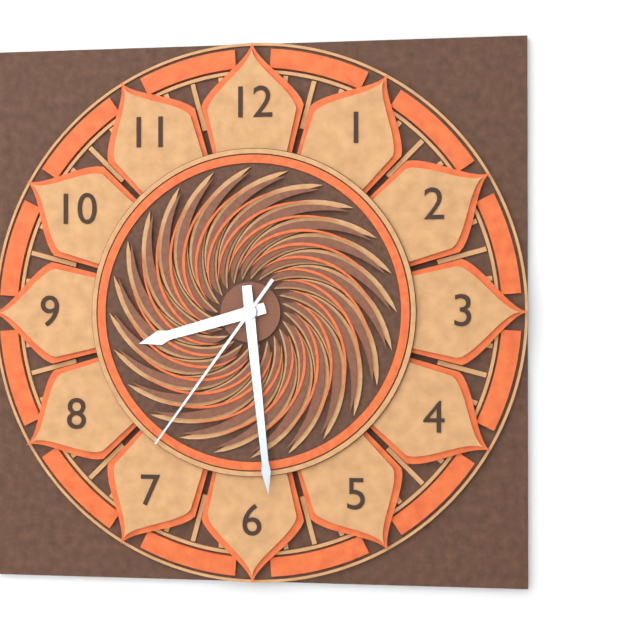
8:29:36
